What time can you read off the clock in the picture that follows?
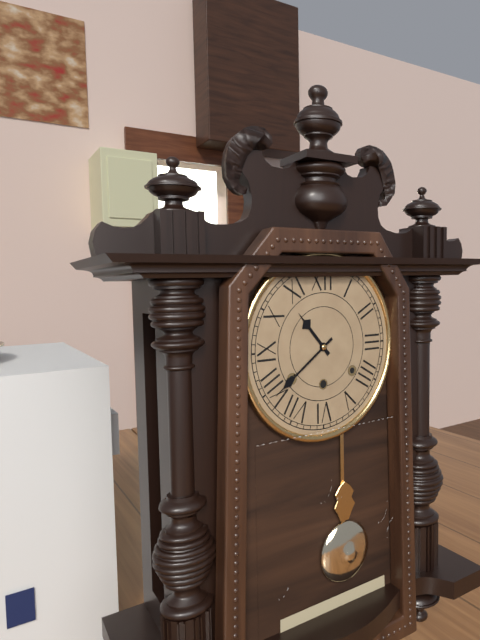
10:39
